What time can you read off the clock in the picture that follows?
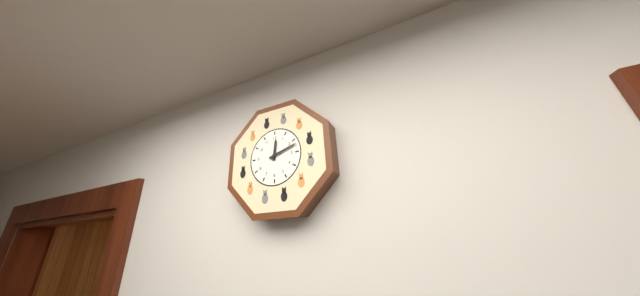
12:12
